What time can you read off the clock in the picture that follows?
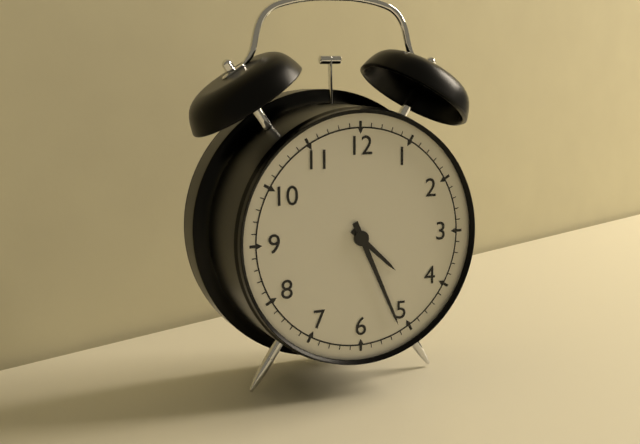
4:26
